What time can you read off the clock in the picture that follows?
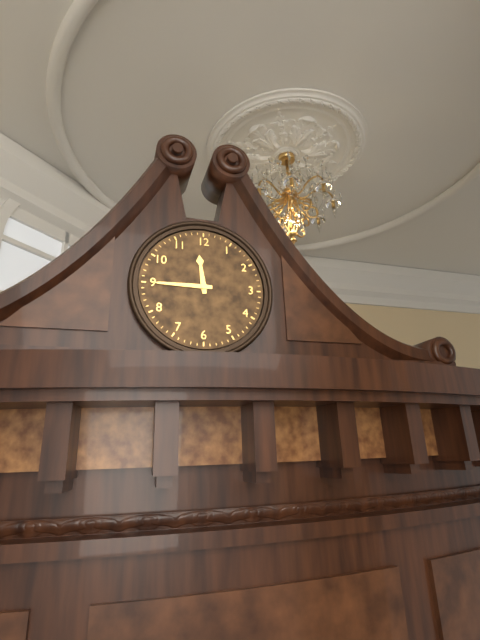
11:45
